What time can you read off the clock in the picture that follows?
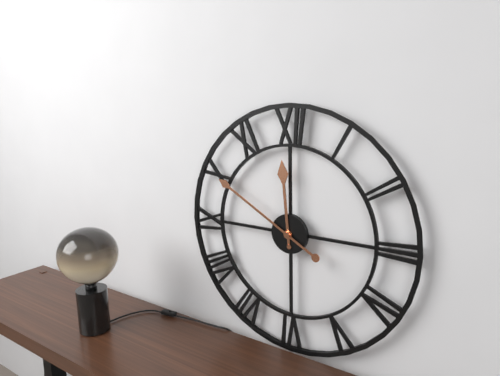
11:50
